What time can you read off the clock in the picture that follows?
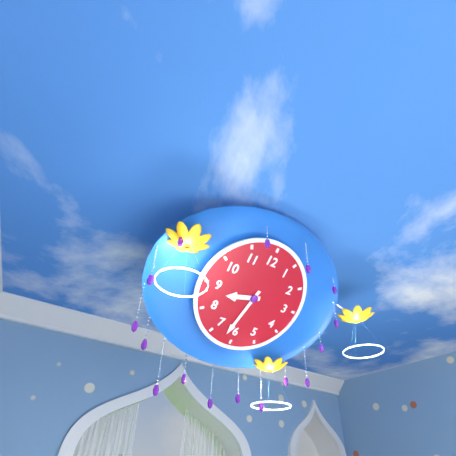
8:32
